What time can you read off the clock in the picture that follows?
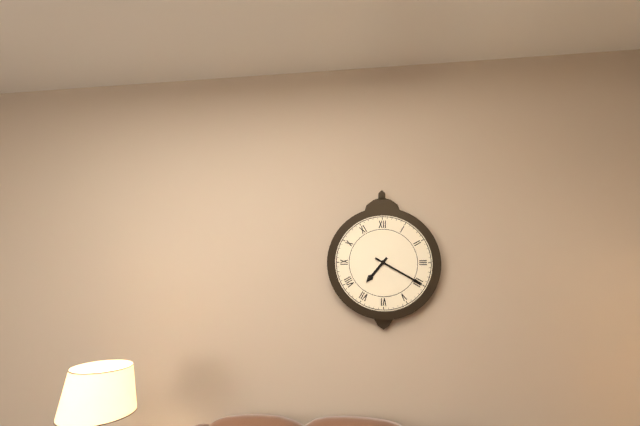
7:20
